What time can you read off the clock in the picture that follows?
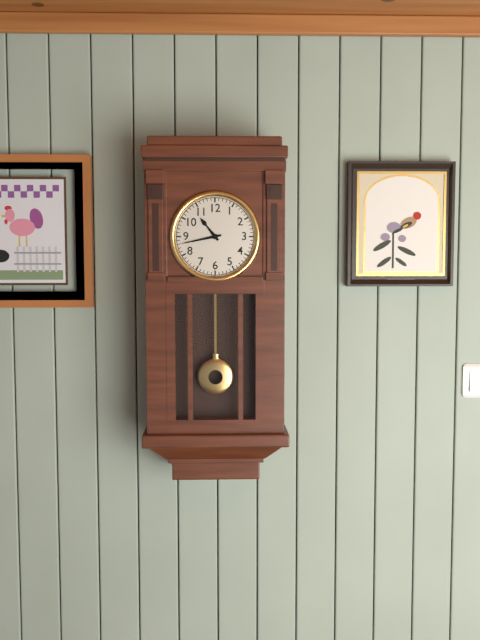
10:43
